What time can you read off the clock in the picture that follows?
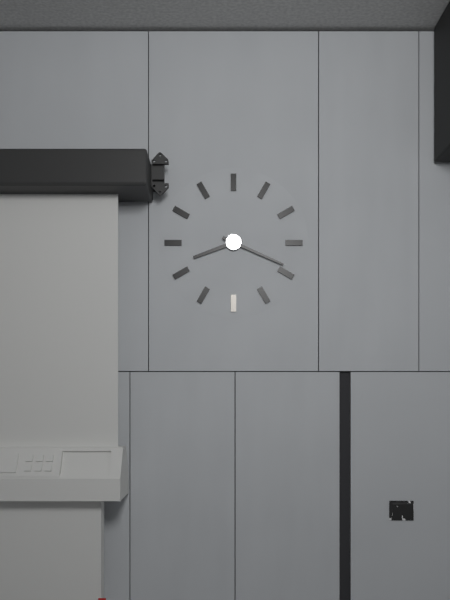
8:19
